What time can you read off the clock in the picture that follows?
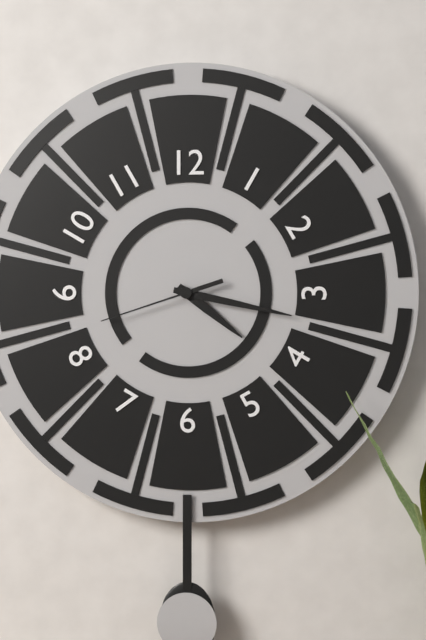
4:17:42
